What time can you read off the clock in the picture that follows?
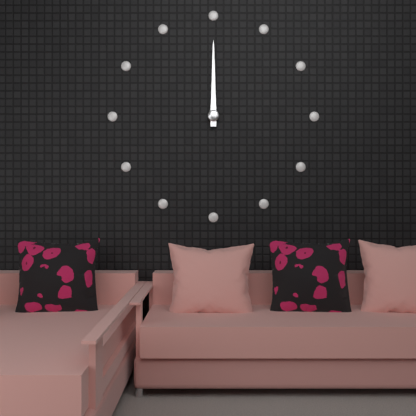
12:00
